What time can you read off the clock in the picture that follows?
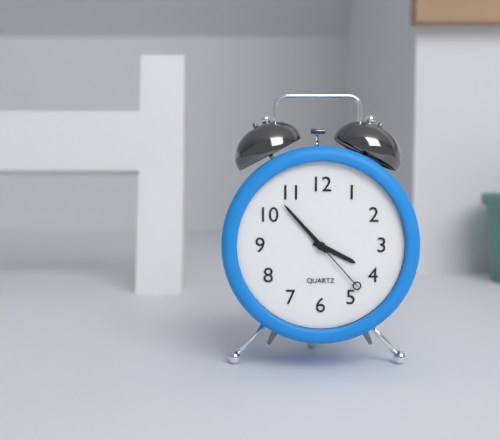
3:53:23
